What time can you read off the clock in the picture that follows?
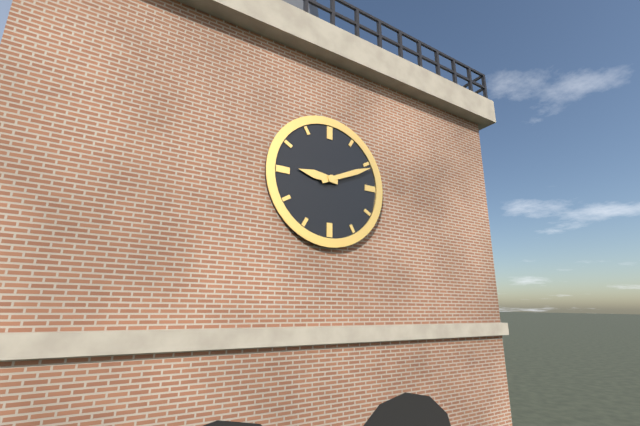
9:11
